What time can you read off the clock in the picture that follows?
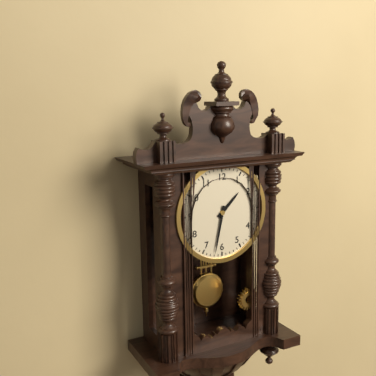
1:32
